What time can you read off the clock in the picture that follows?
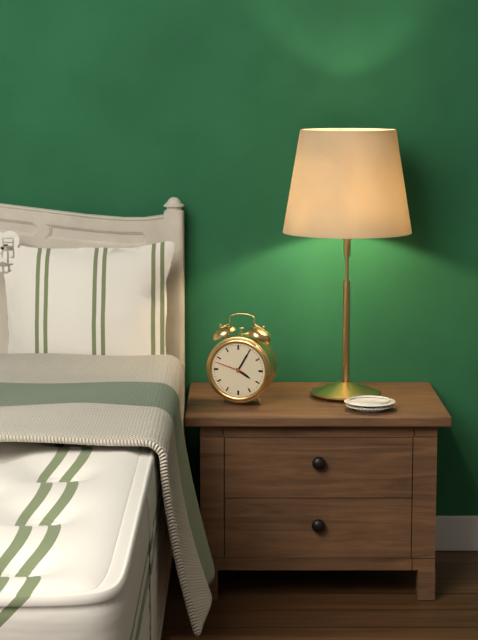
4:05
